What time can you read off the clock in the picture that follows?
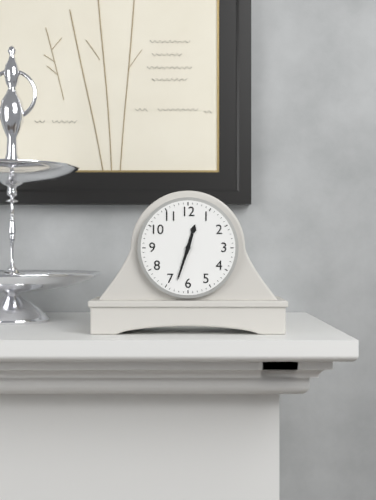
12:33
